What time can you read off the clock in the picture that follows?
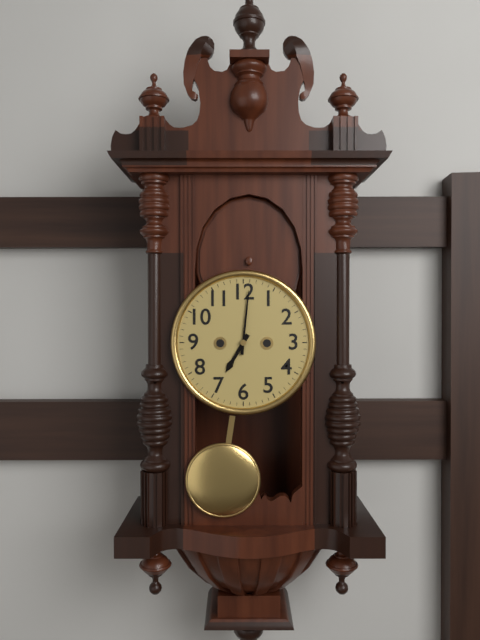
7:01
